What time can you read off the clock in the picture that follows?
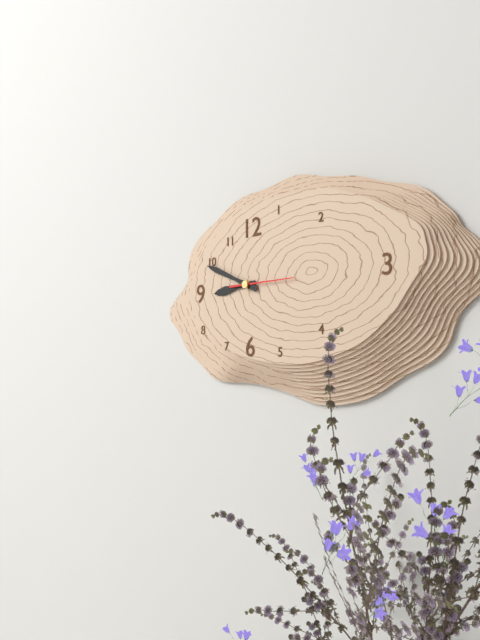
8:49:15
